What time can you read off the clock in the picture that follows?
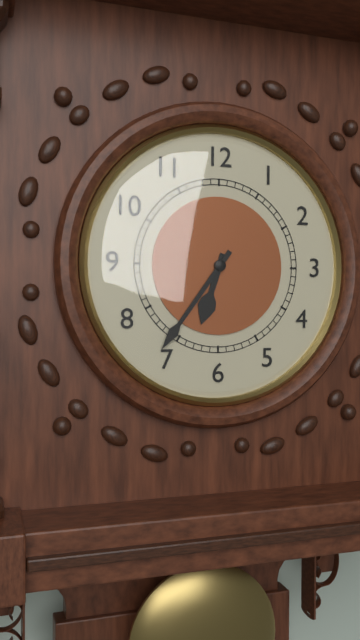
6:36
